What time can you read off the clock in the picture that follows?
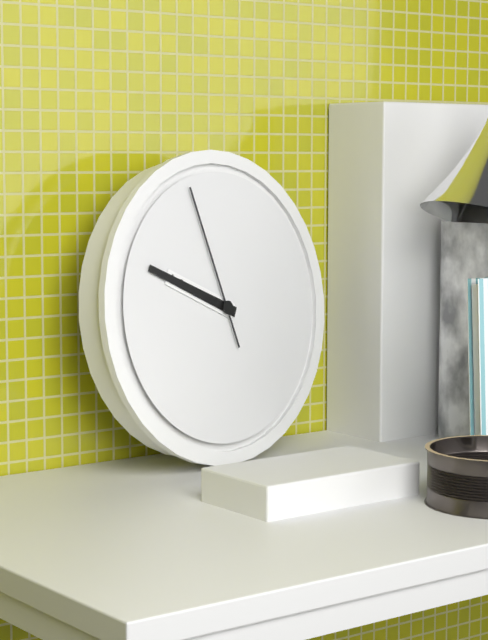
9:49:57
